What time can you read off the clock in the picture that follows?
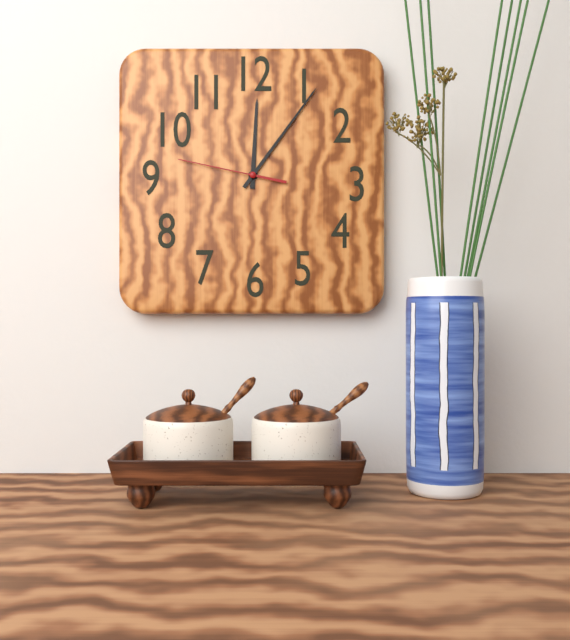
12:06:47
